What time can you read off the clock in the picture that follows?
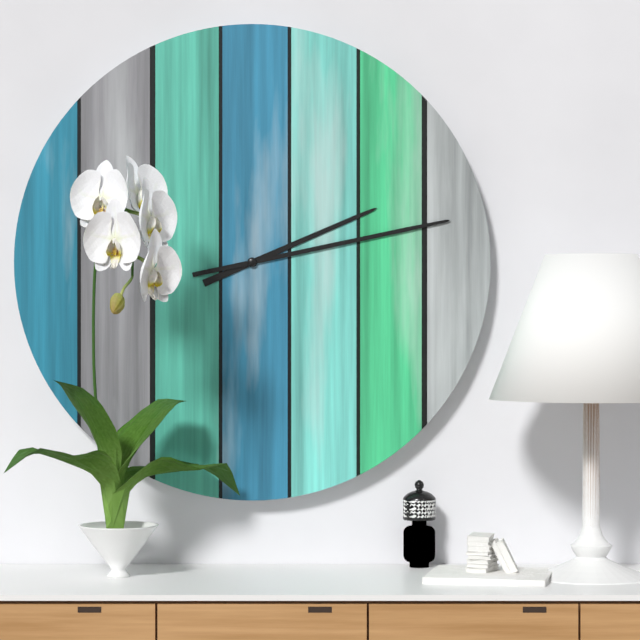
2:13
